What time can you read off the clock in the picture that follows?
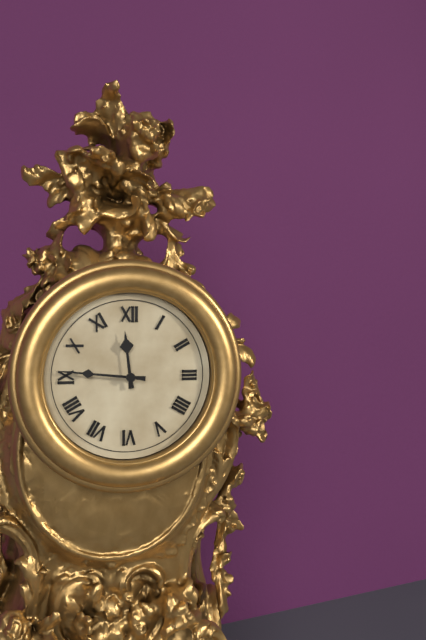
11:46
